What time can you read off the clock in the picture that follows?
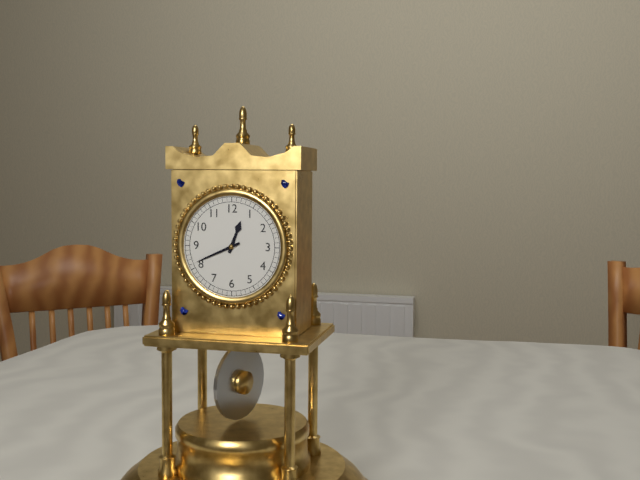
12:41
